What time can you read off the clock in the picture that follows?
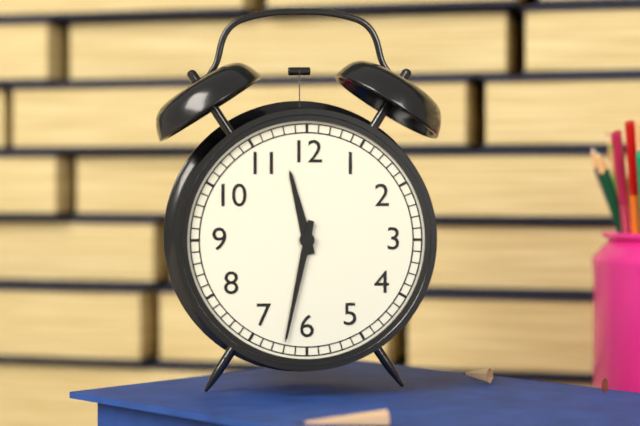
11:32
